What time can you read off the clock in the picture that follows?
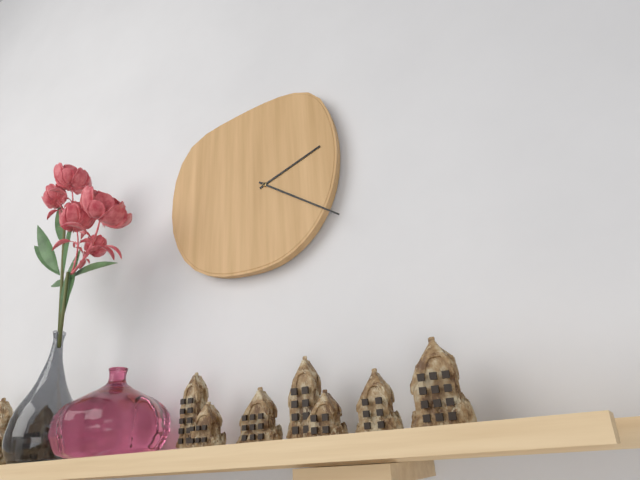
2:21
